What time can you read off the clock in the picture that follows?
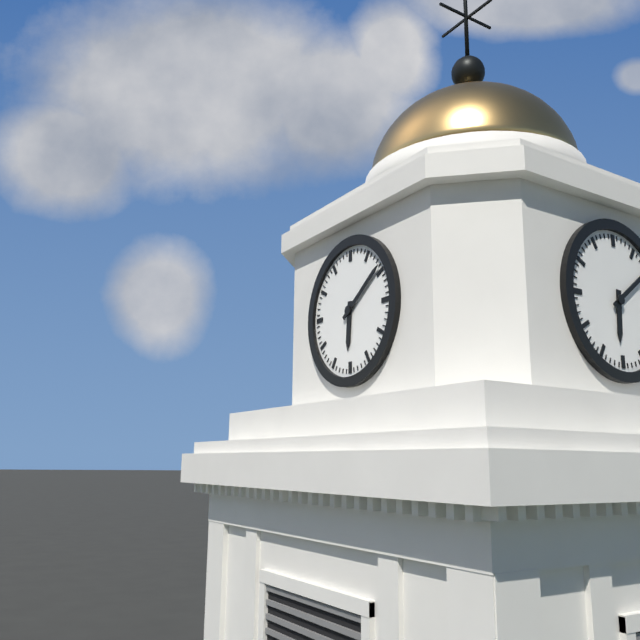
6:09
